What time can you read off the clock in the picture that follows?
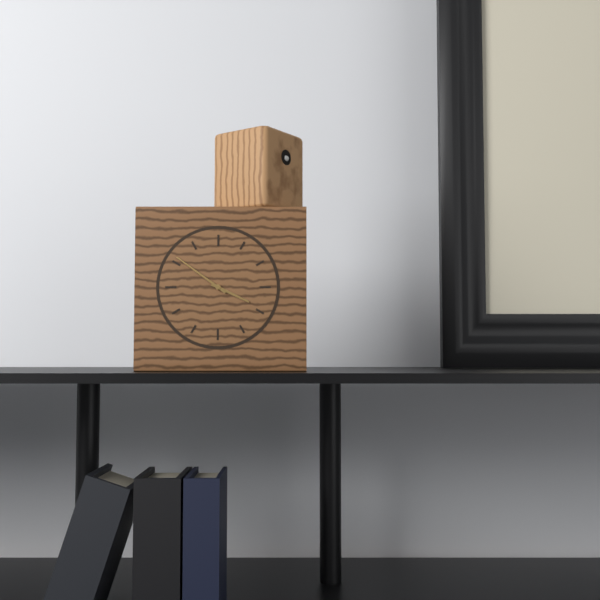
3:51
